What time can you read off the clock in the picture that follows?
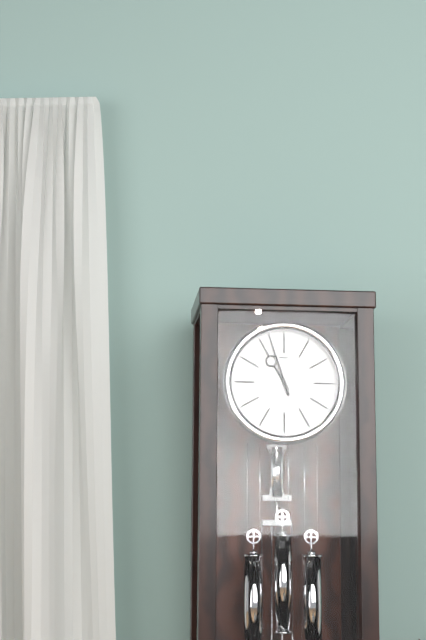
10:57
